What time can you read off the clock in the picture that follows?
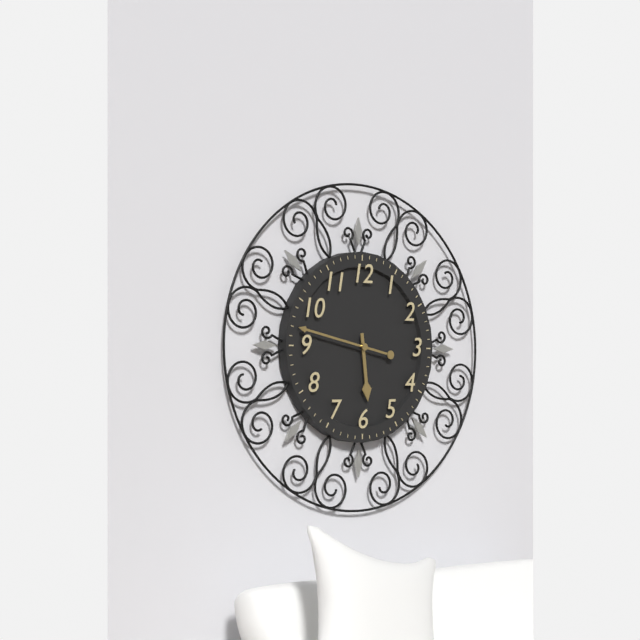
5:47
